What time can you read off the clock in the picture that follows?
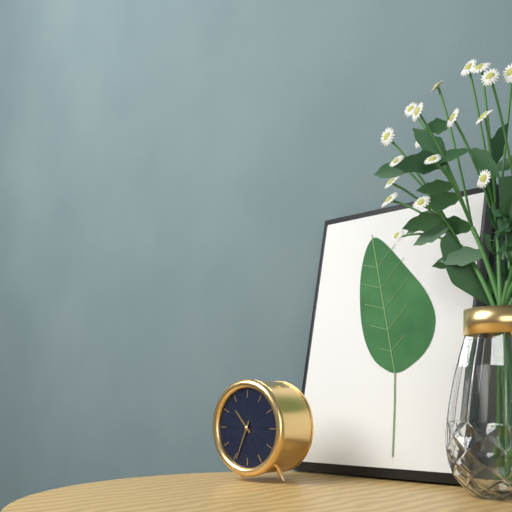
10:34
